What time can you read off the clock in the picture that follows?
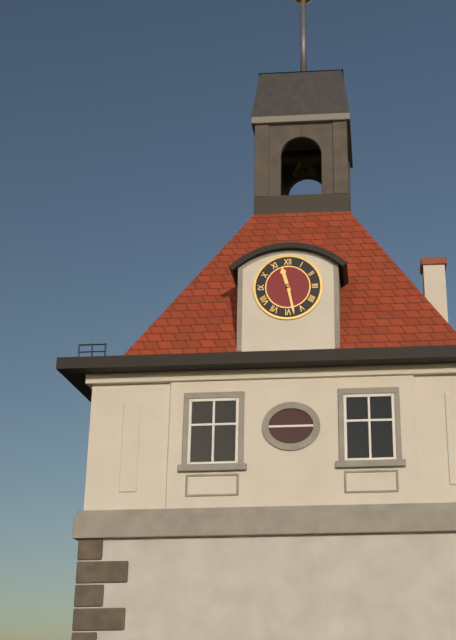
11:28
